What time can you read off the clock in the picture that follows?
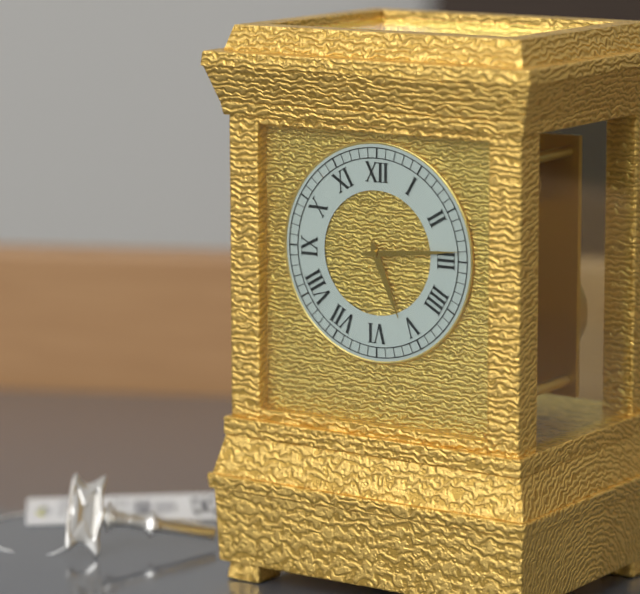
5:14
